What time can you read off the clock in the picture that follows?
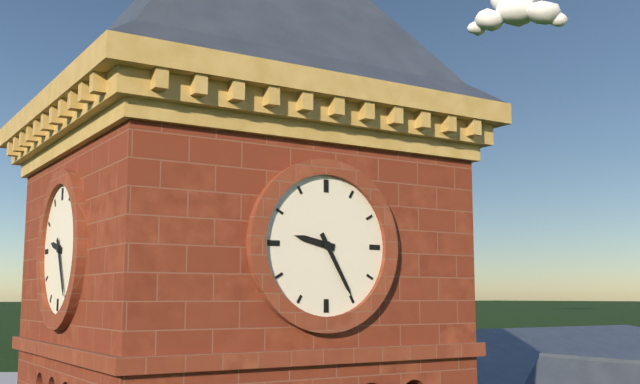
9:25
